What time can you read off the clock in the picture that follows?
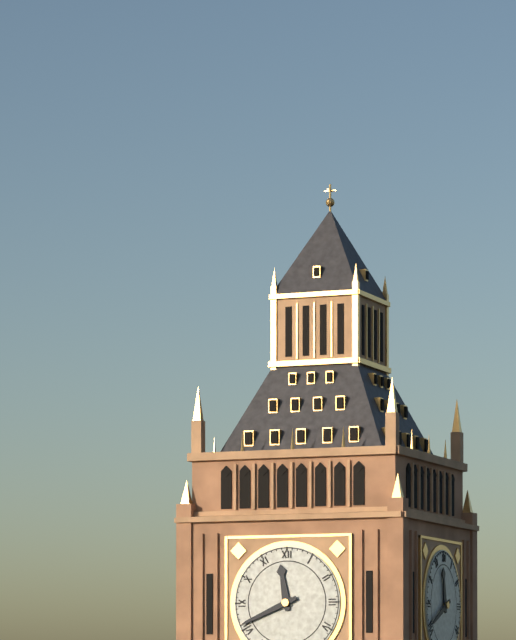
11:41
